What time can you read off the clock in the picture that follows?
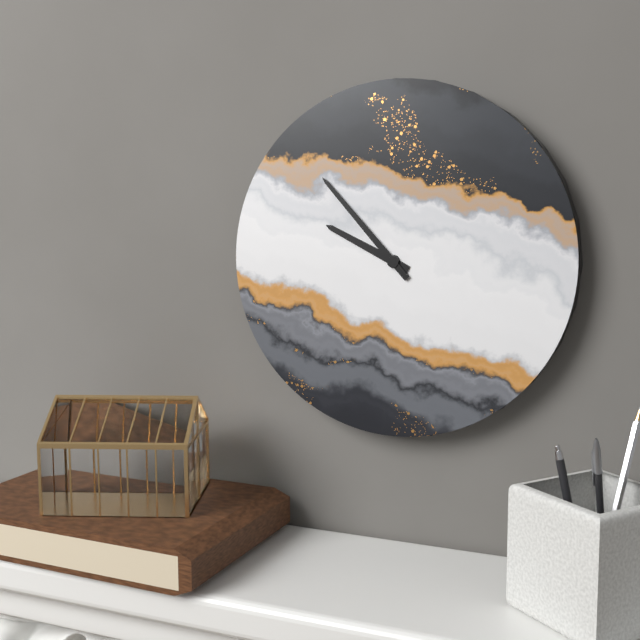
9:53
